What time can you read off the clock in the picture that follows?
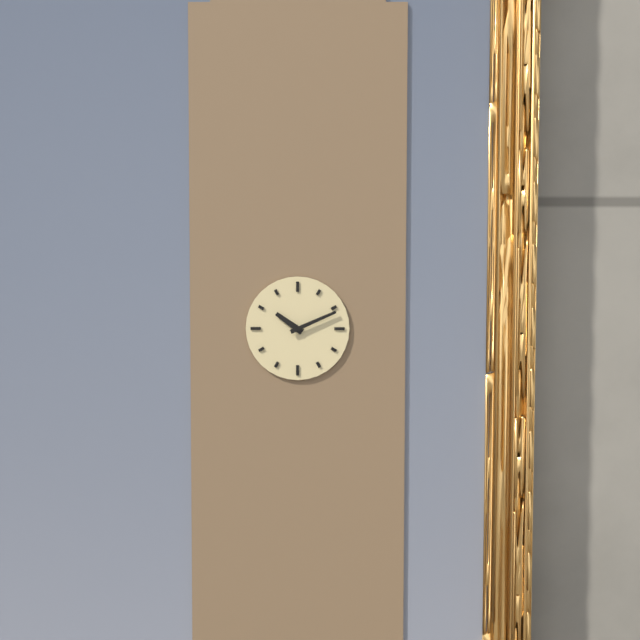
10:11
